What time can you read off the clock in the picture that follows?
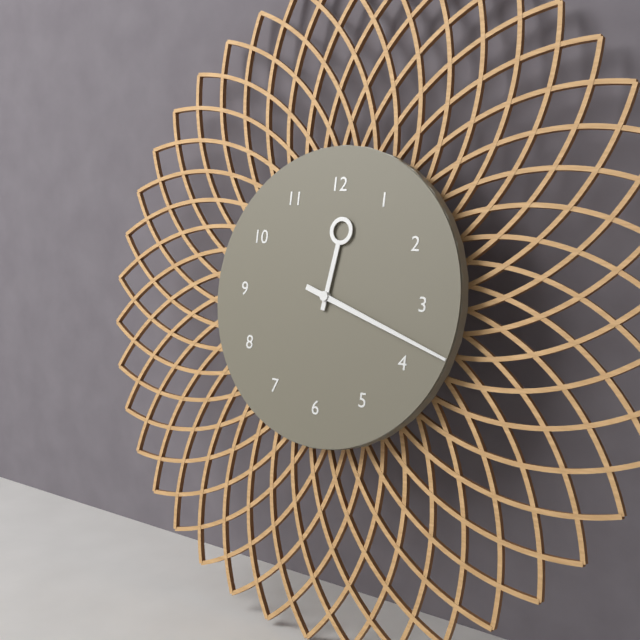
12:18
